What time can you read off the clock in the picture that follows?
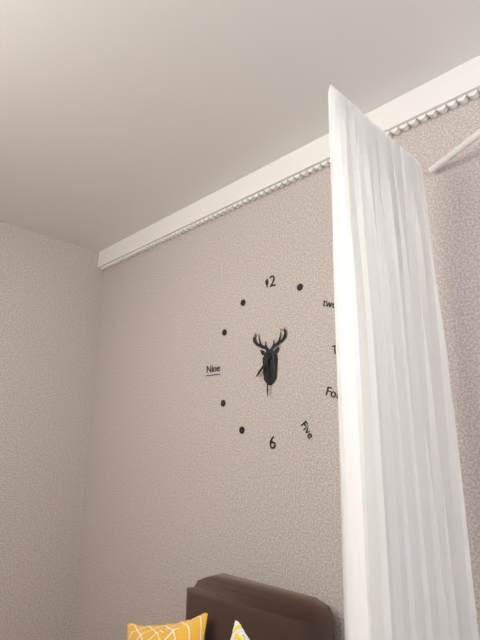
7:30
